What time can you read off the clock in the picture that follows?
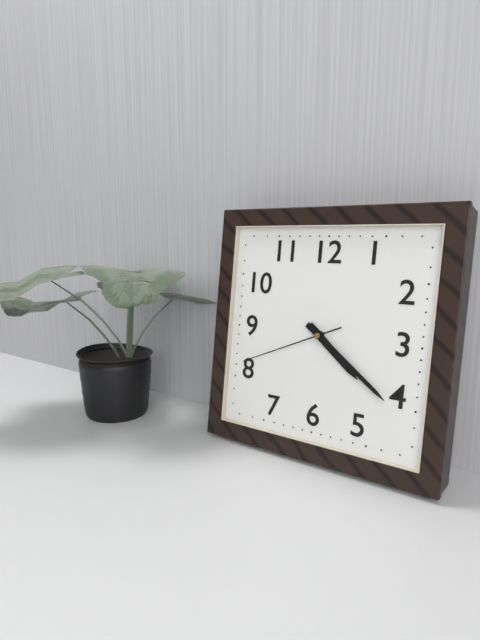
4:21:41
